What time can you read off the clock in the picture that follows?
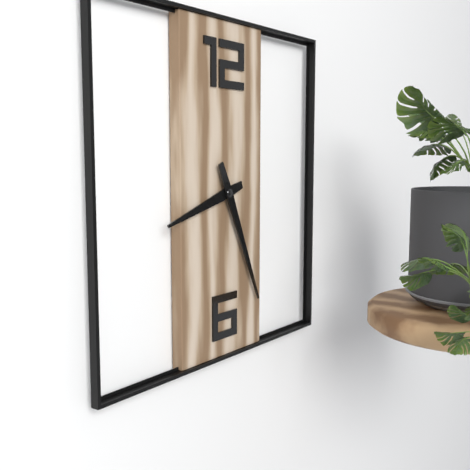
8:26
